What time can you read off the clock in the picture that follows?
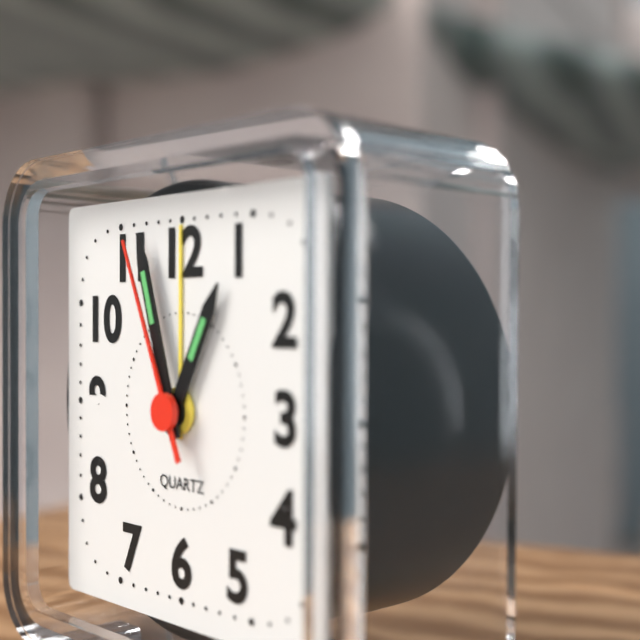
12:57:56
